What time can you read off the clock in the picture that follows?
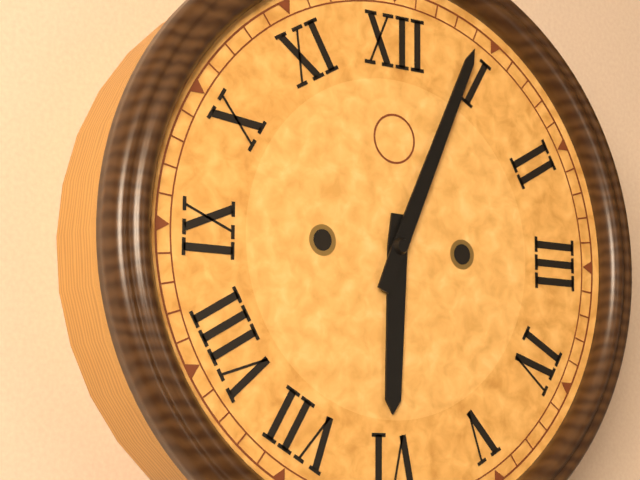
6:04
